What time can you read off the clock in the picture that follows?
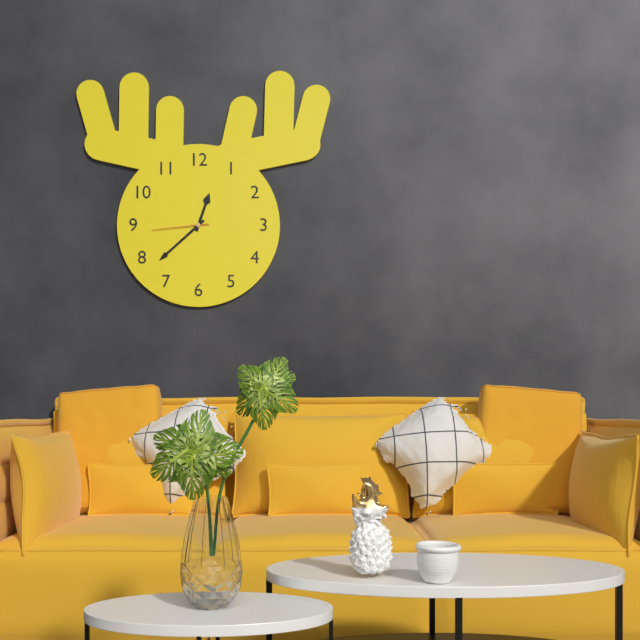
12:38:44
